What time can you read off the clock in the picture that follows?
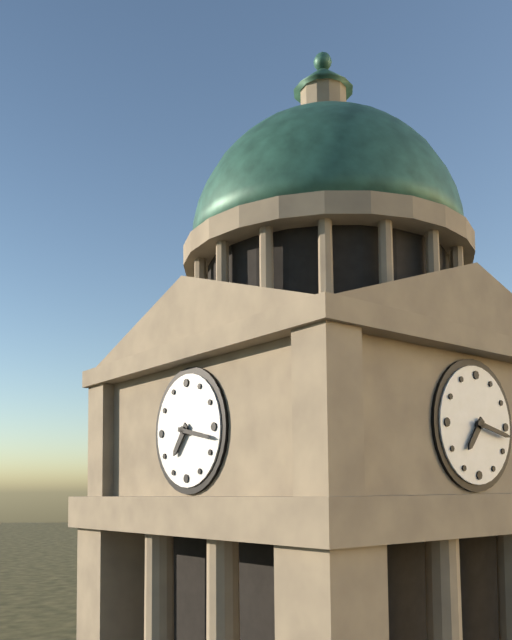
7:17
